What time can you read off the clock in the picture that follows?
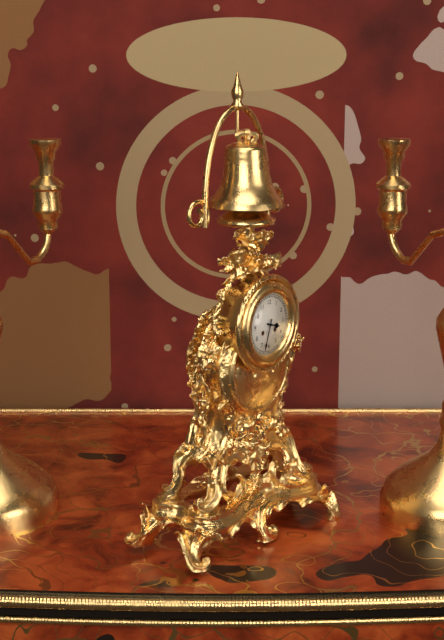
3:33
